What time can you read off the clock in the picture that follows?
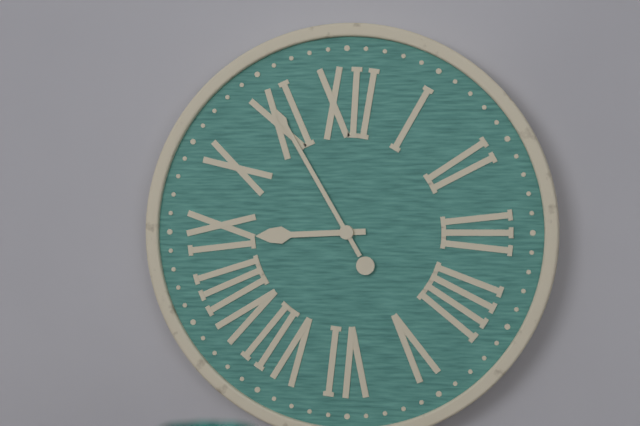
8:55
